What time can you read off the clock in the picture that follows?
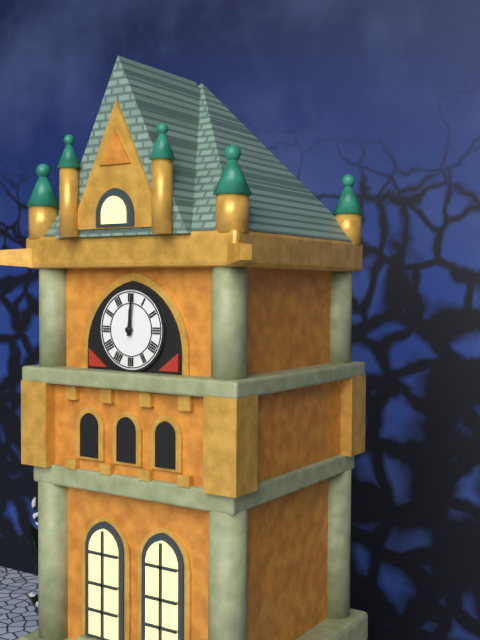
12:01
